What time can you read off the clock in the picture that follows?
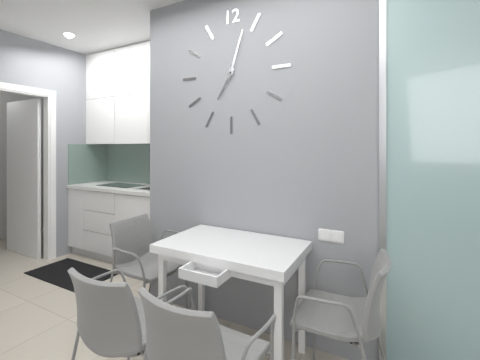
7:03
